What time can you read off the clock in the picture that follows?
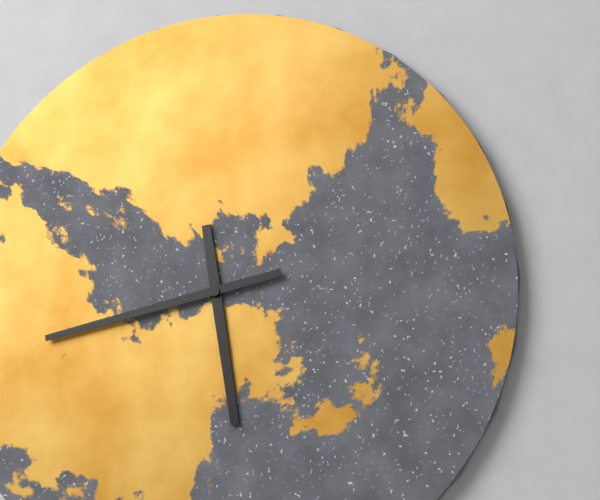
5:43
